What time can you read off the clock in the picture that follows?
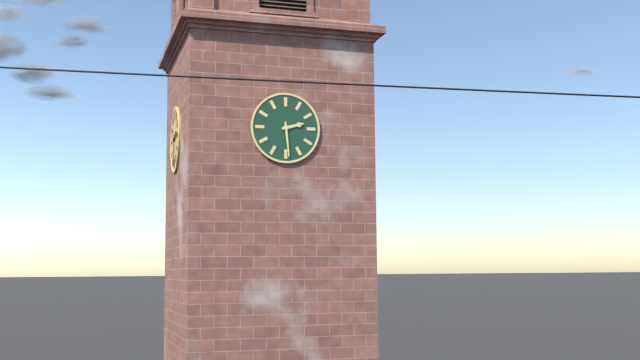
2:29
